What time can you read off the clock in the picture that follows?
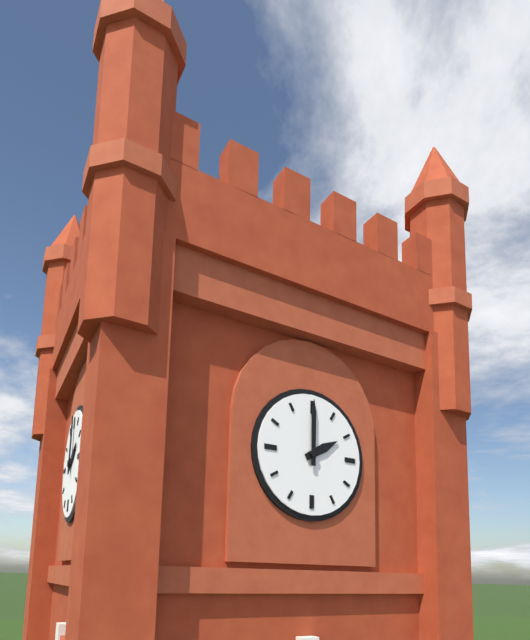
2:00
